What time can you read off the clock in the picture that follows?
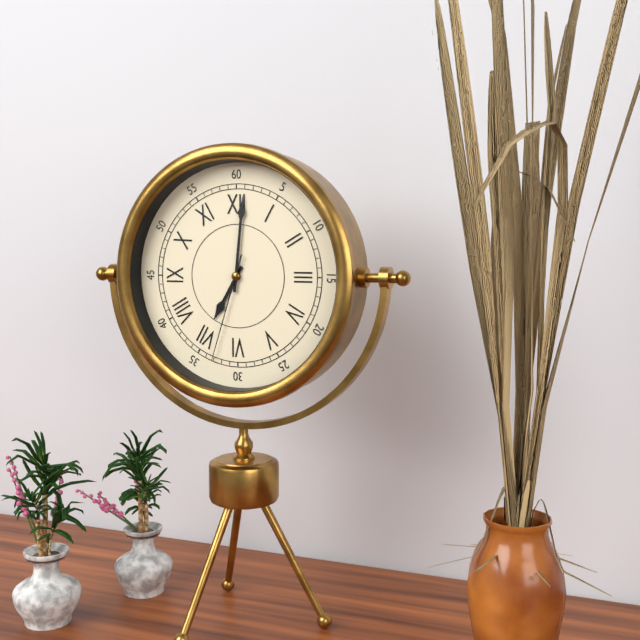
7:01:33
